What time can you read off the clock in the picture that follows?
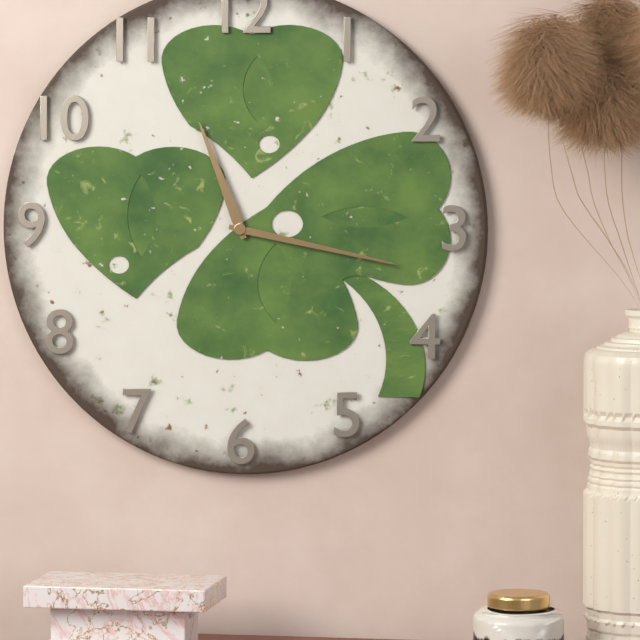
11:17
